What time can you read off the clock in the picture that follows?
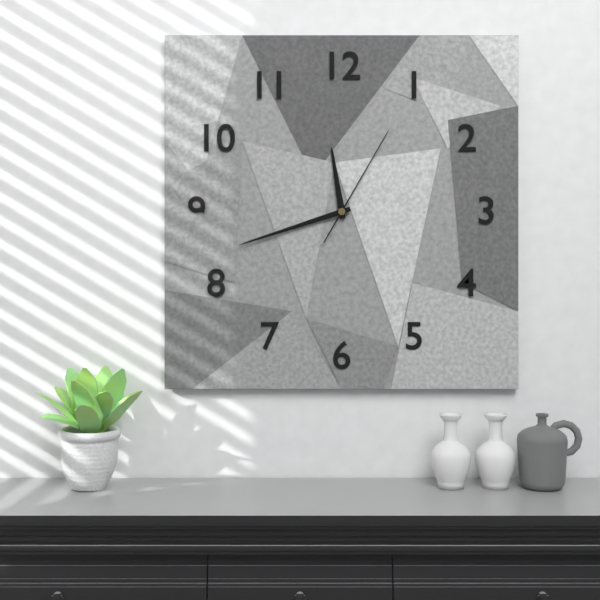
11:42:05
